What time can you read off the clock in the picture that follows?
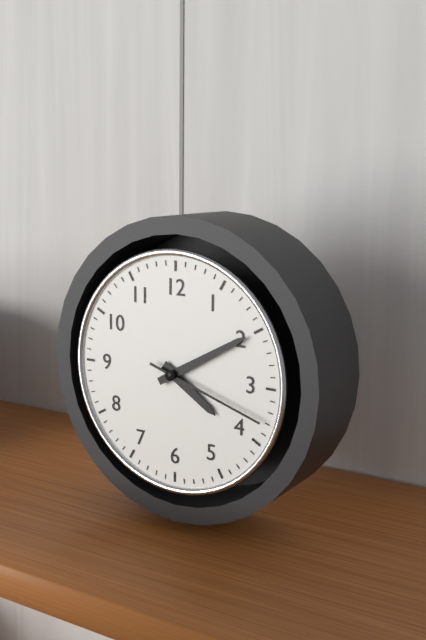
4:10:18
